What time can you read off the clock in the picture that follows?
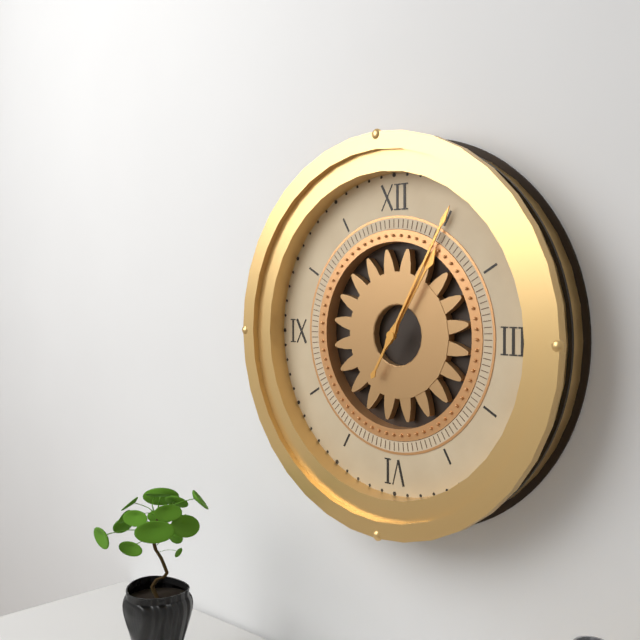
1:05
